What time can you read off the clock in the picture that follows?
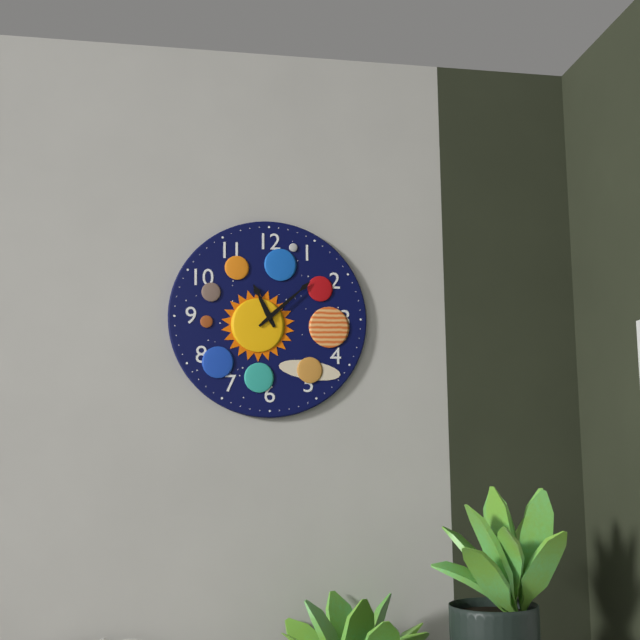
11:08
